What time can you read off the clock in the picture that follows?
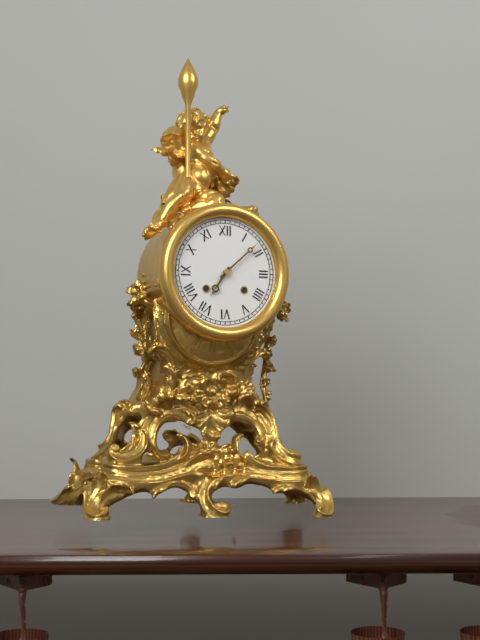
7:08
